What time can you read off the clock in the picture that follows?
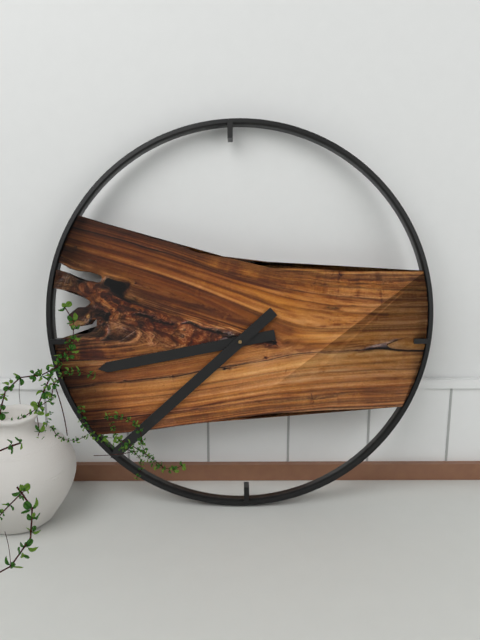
8:38
